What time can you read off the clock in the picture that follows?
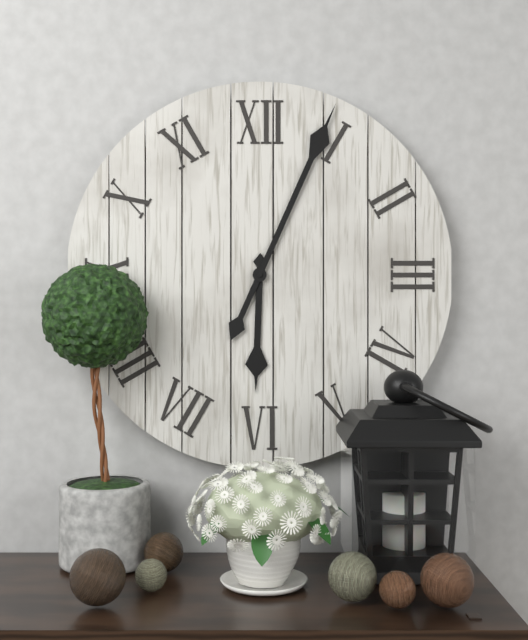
6:04
